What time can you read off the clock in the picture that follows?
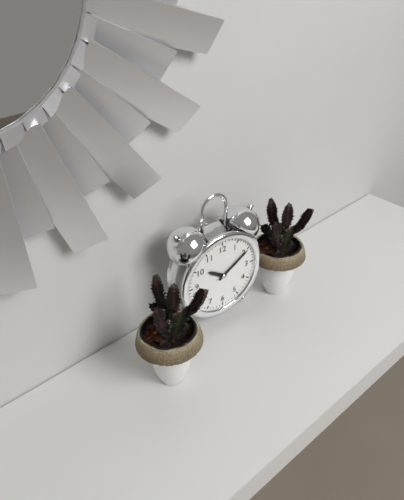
10:10
